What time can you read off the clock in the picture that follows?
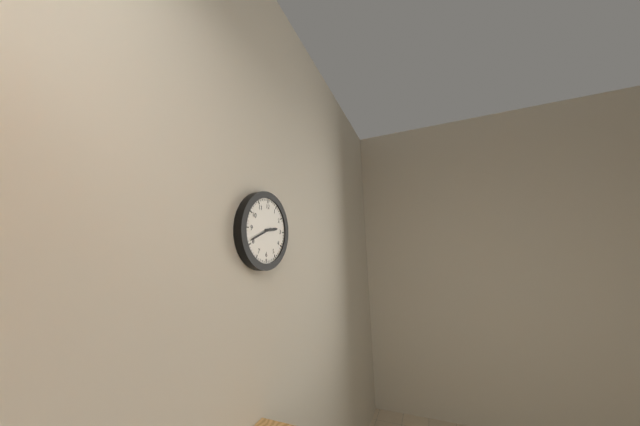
2:41
